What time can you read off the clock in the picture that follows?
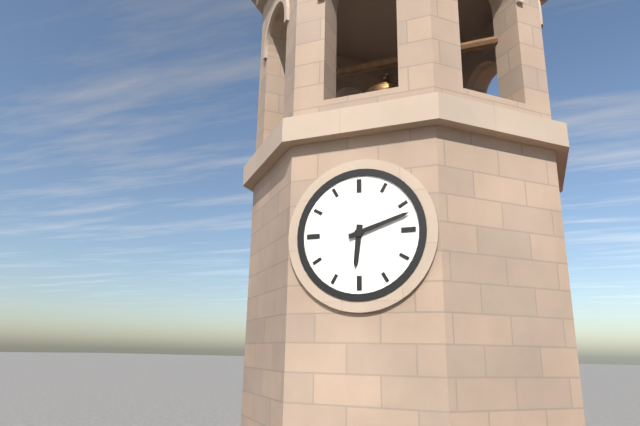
6:12
